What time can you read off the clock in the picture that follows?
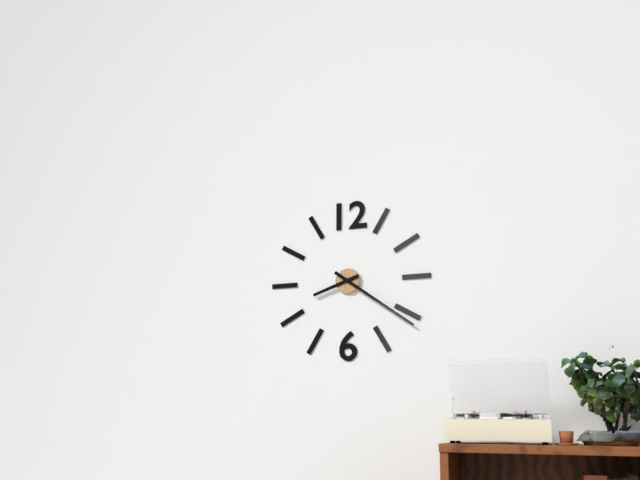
8:21
